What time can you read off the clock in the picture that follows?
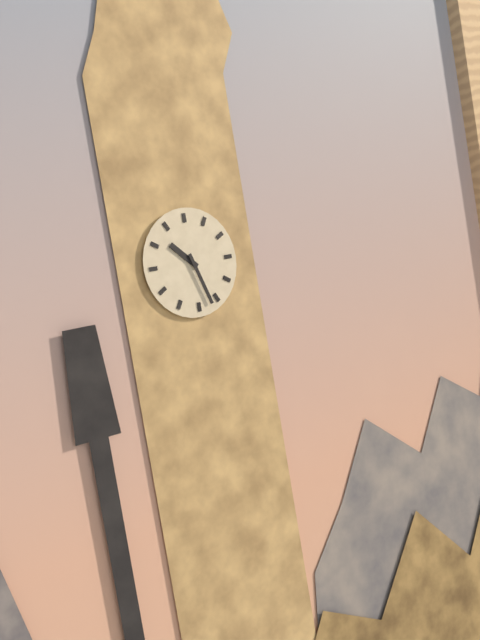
10:27
